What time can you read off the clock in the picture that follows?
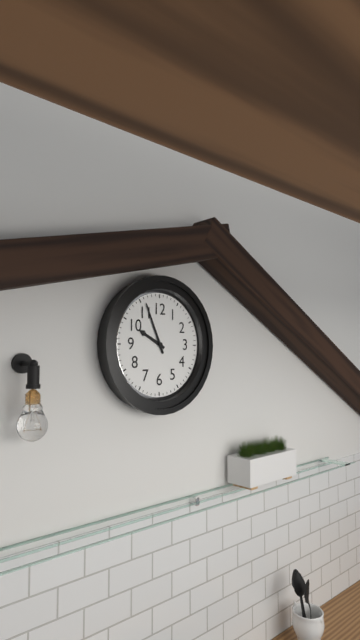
9:56
